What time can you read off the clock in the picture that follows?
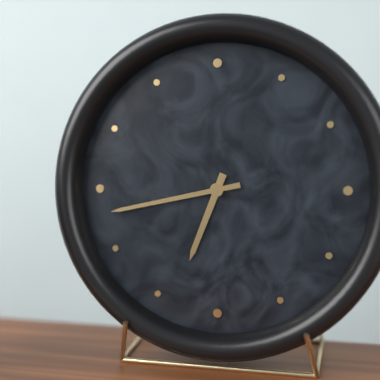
6:43
